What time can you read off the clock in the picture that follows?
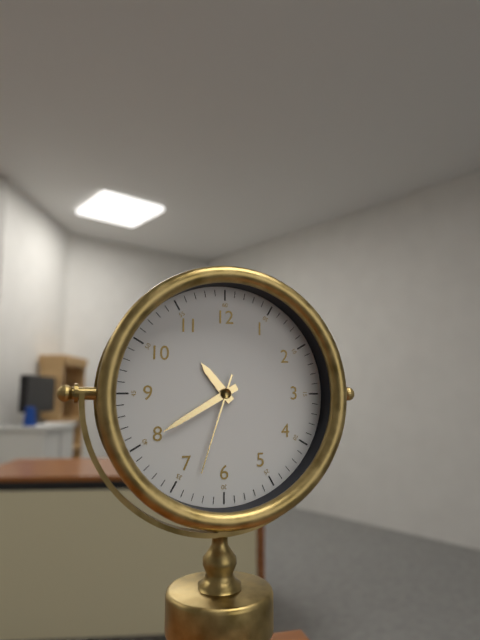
10:40:33
